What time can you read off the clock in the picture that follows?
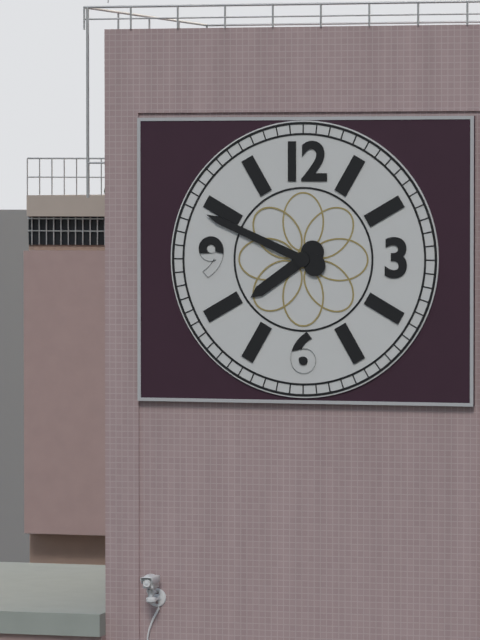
7:49
